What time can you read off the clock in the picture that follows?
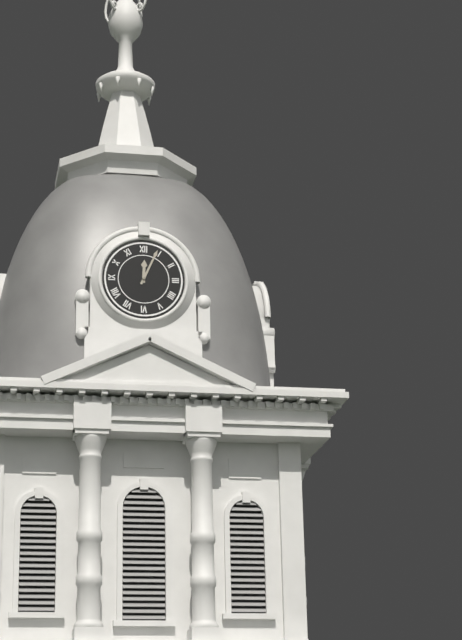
12:04
